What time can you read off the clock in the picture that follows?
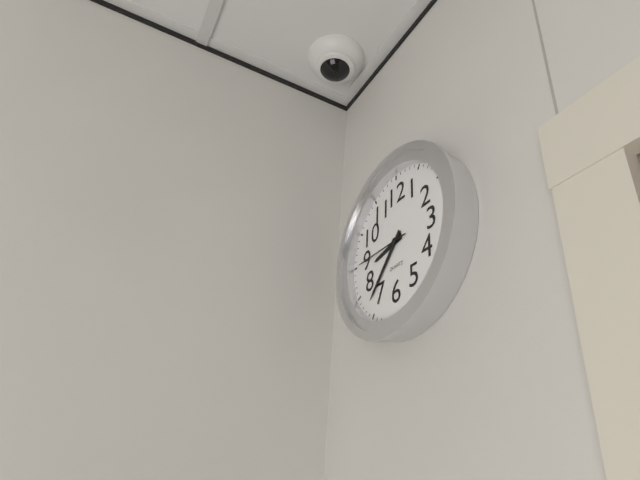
8:37:45
